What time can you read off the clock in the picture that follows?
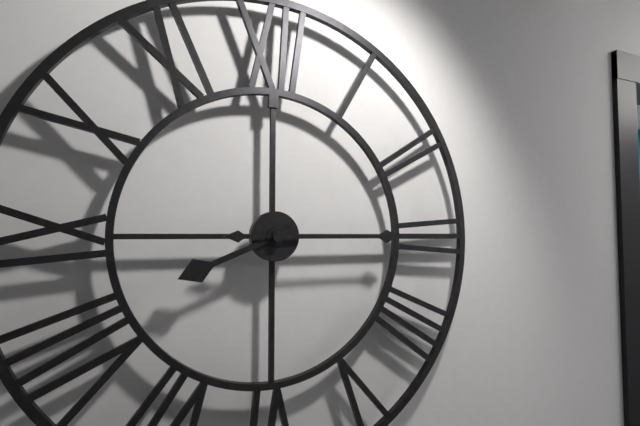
8:15
